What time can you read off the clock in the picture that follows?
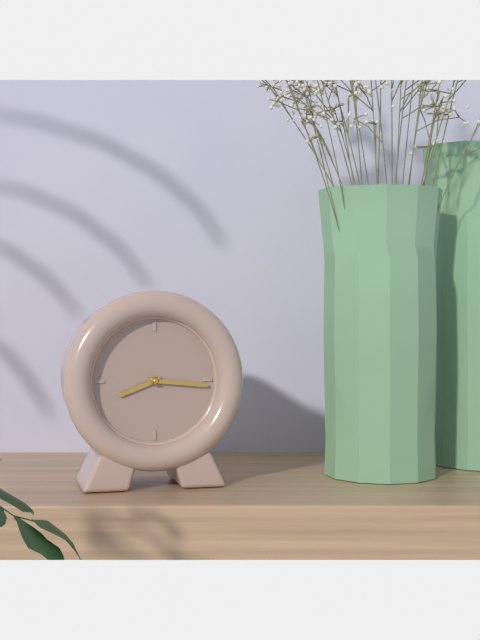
8:16
